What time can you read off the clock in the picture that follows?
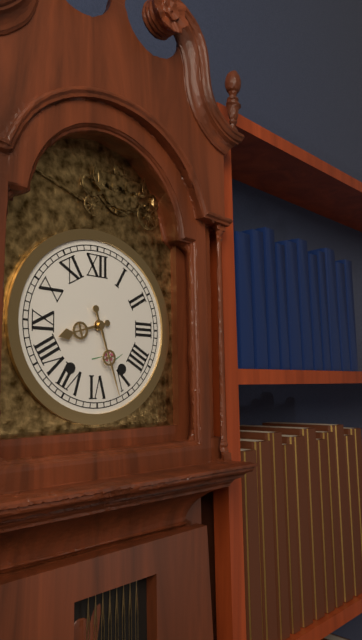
8:27
